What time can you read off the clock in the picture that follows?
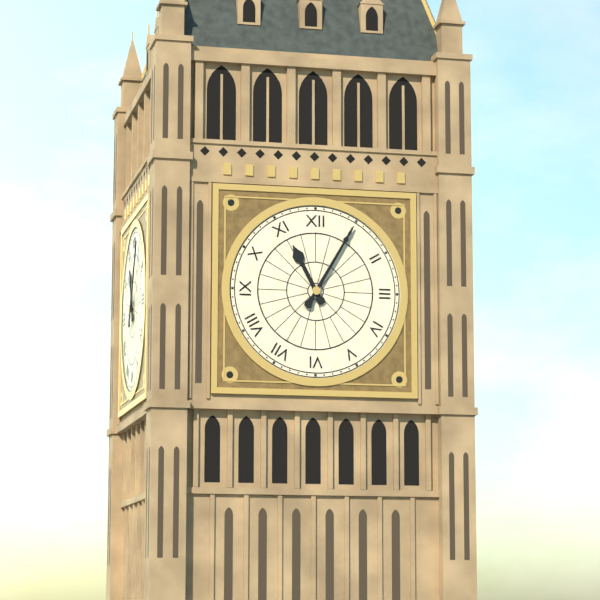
11:05
